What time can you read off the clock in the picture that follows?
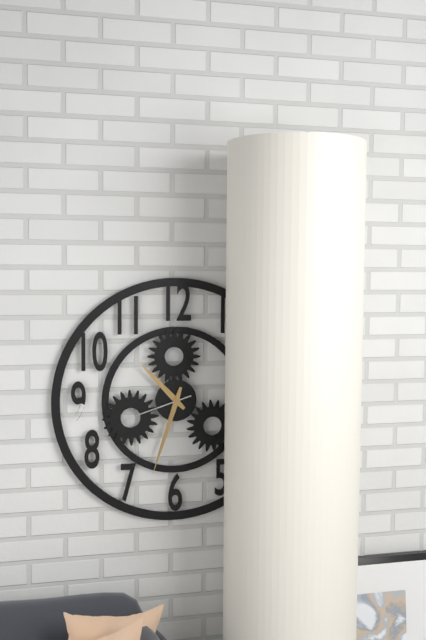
10:33:42
